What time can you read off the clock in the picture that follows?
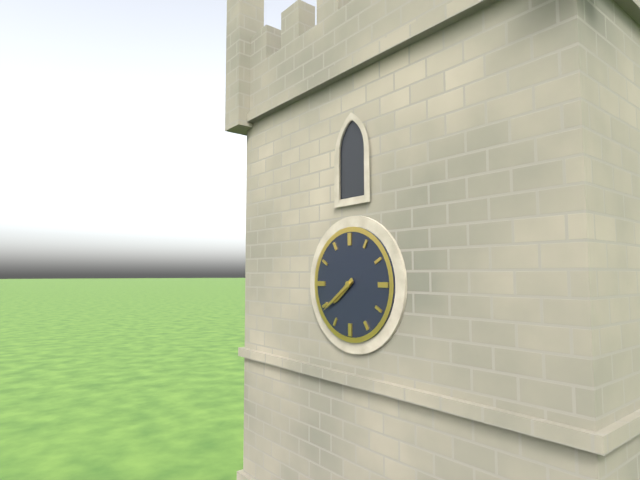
7:39
